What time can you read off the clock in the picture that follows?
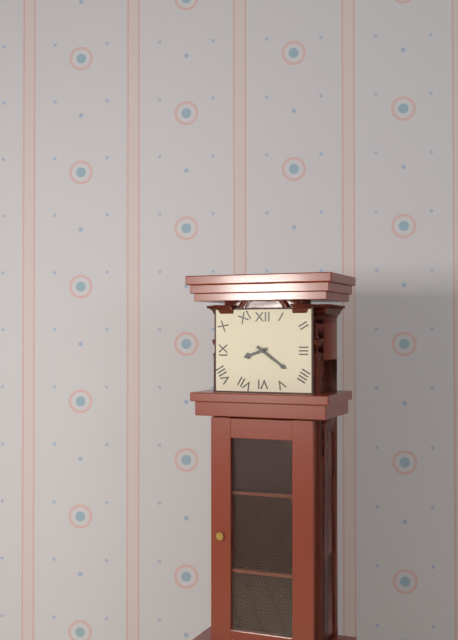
8:21
